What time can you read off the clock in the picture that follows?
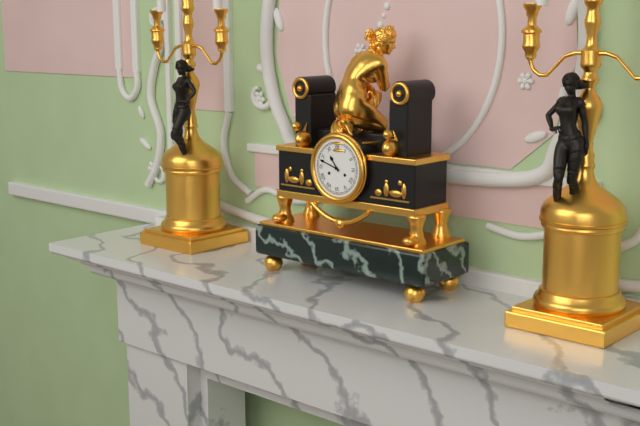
10:48
